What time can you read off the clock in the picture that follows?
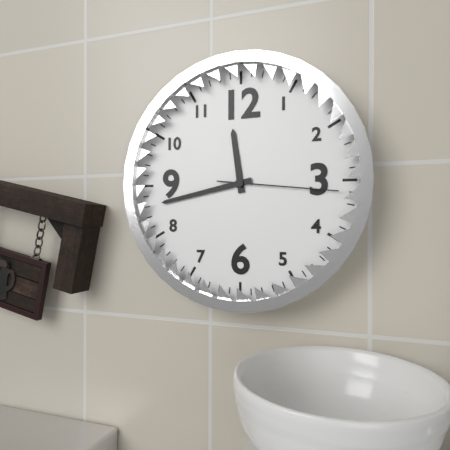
11:43:16
